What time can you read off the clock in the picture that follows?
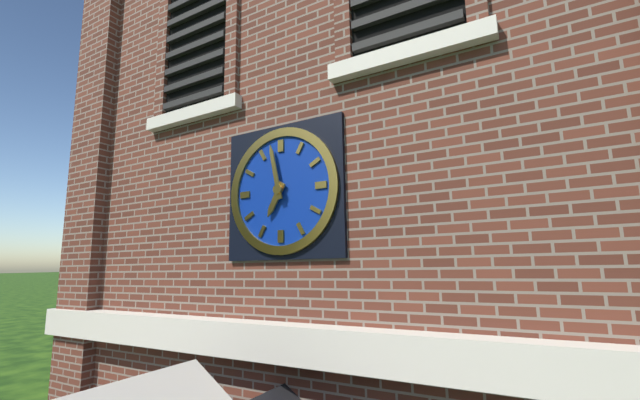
6:58
